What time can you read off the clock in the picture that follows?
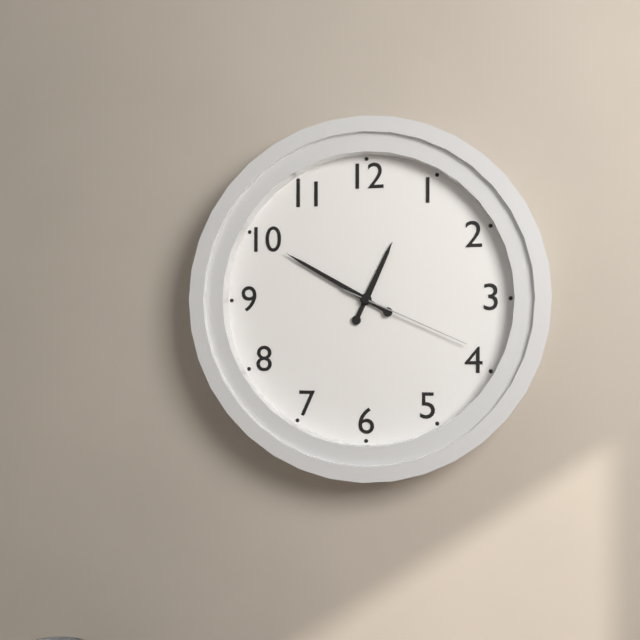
12:50:19
